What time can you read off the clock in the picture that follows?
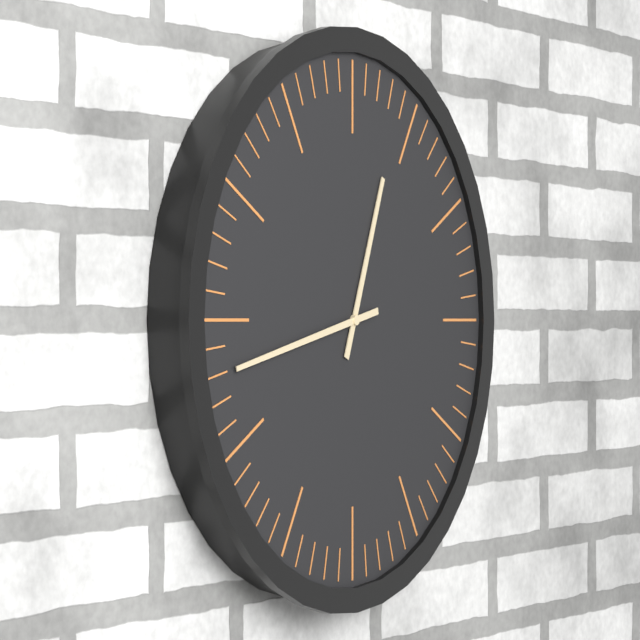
12:43
